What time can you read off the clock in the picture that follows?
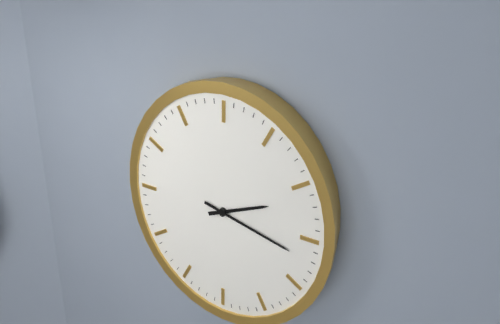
2:17
